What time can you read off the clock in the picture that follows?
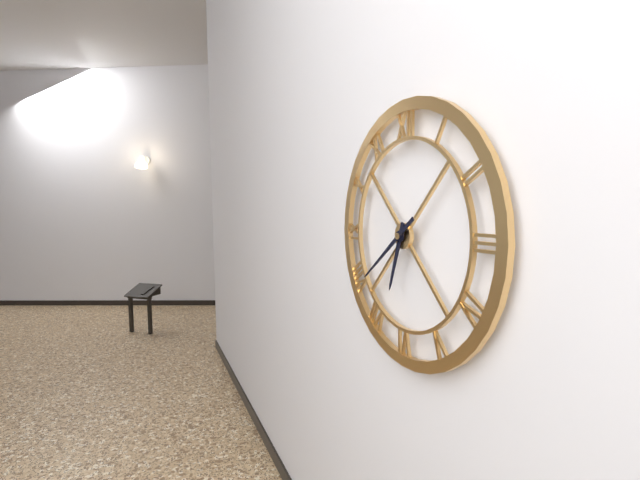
6:39
